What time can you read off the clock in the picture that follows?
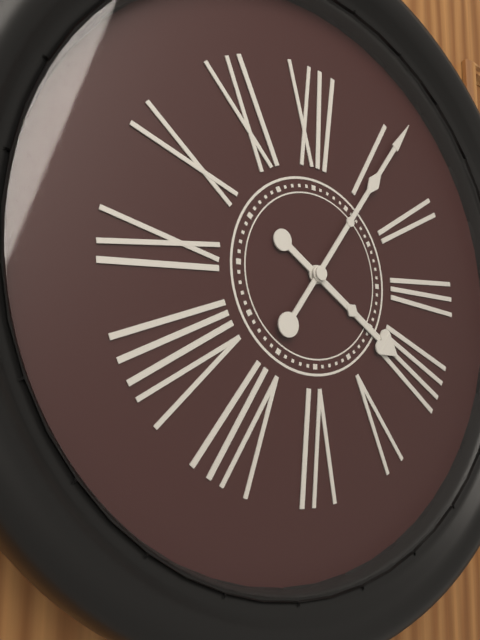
4:06
